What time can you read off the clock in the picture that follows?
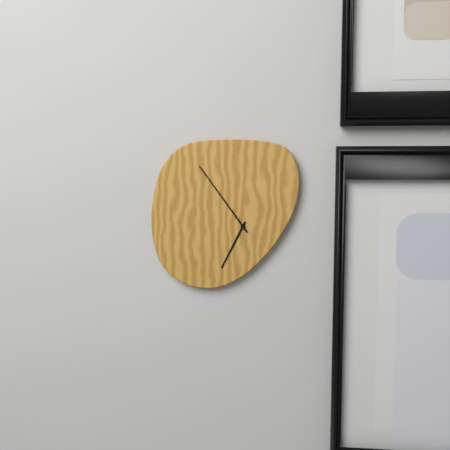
6:54
